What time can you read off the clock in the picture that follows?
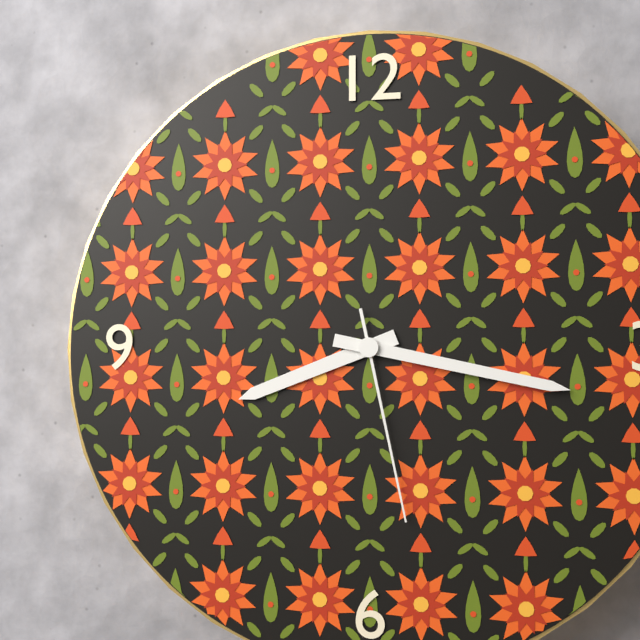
8:17:28
